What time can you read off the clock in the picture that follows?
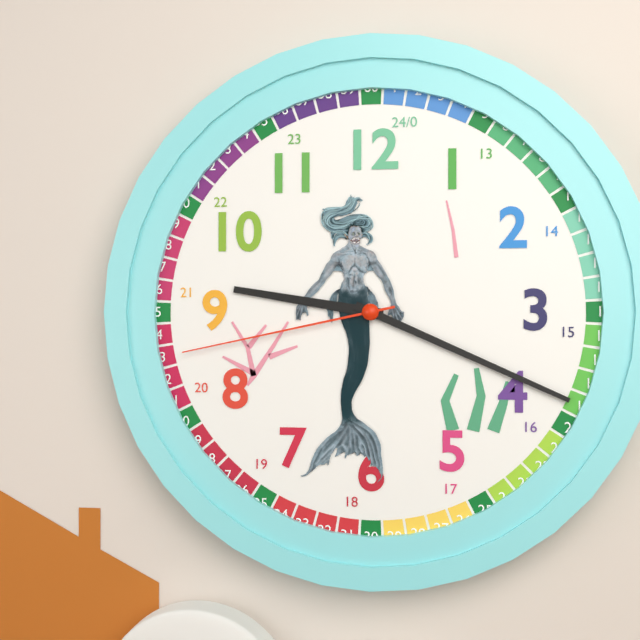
9:19:43
